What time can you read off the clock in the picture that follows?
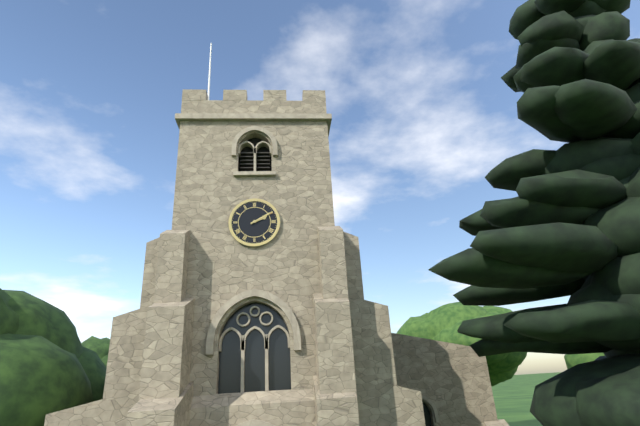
2:10
